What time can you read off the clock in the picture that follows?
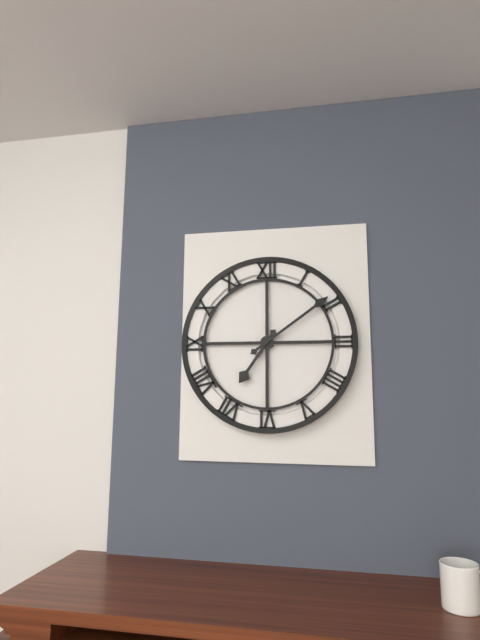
7:09
